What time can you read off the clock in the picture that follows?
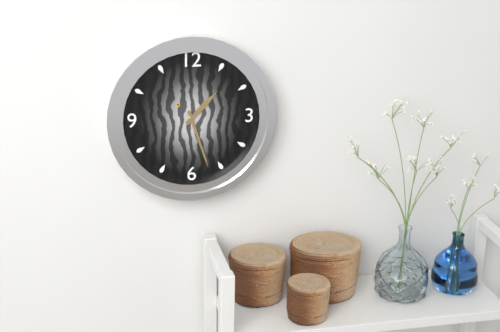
1:27
